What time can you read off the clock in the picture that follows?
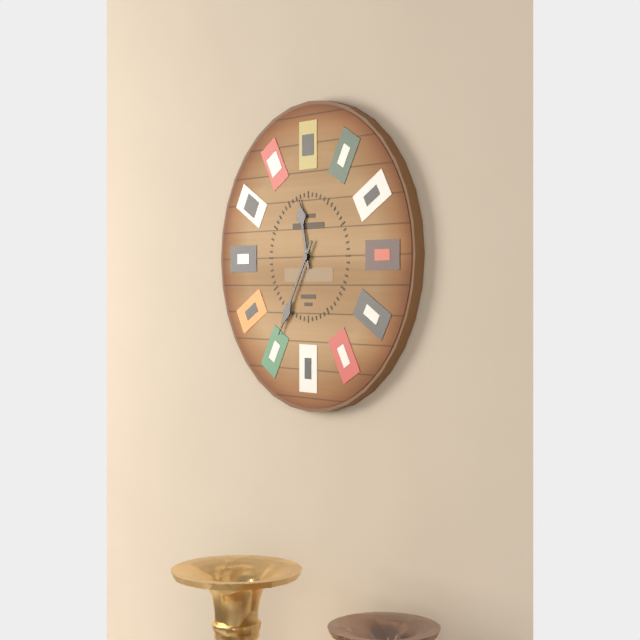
11:35
